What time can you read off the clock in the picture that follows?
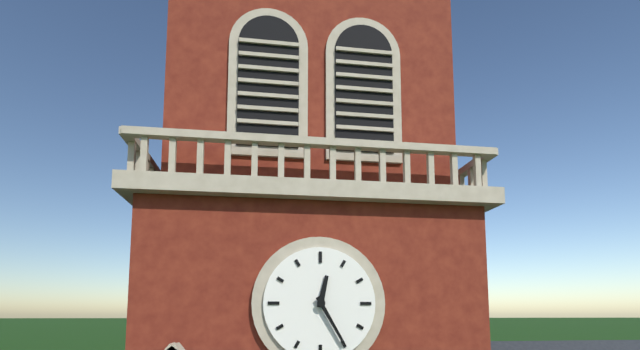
12:25
